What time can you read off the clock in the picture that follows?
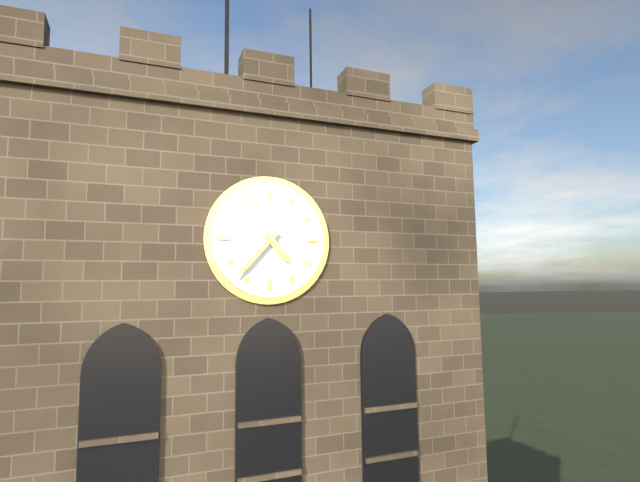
4:37
